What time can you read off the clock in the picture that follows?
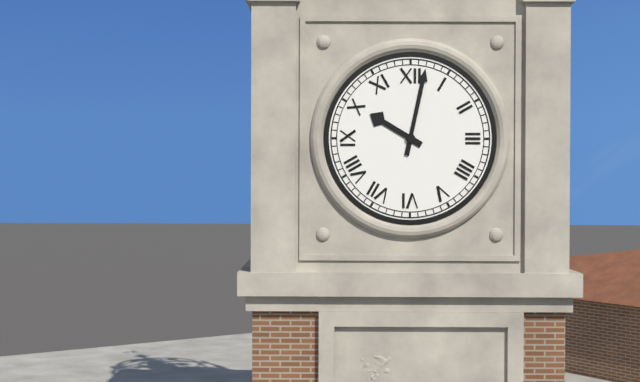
10:02
